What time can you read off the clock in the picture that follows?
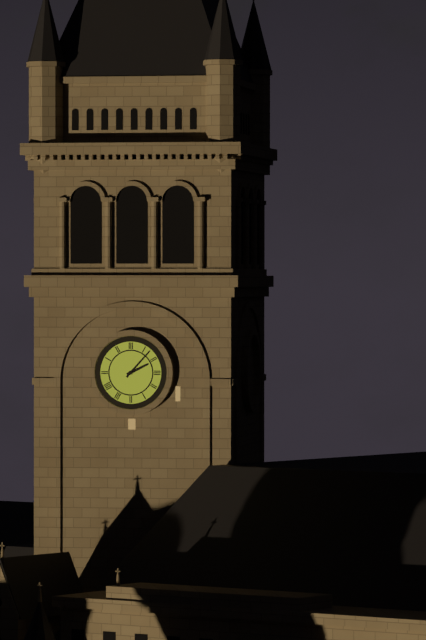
2:07
